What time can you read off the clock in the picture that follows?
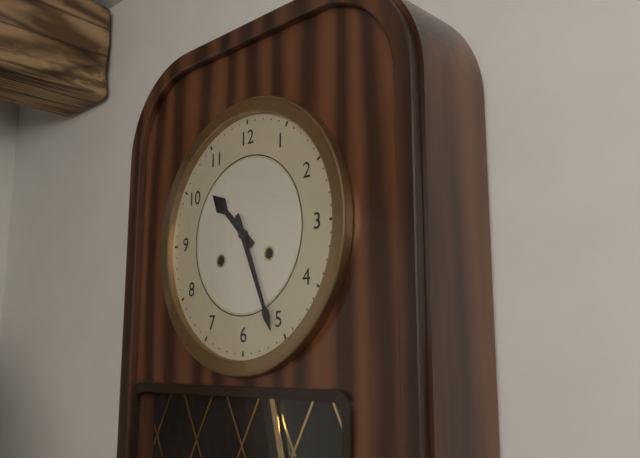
10:26
